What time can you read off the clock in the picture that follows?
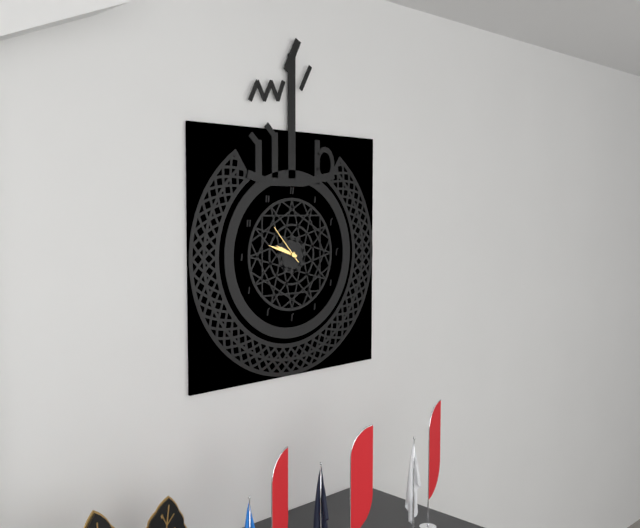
9:48
